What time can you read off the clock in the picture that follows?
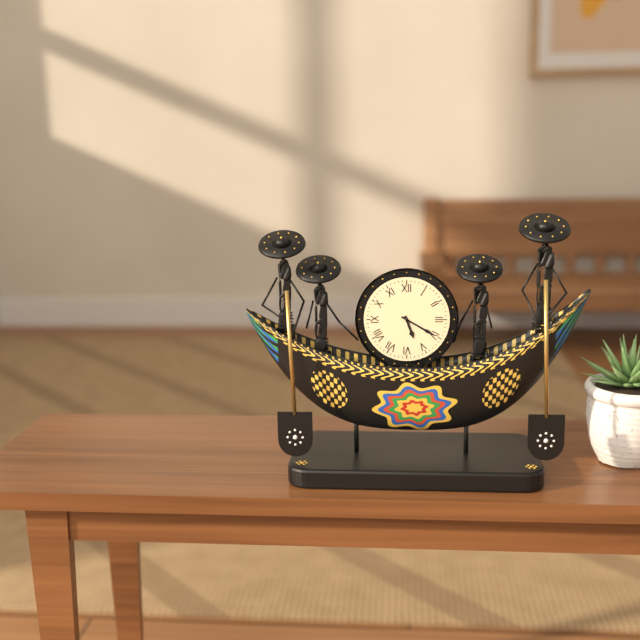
5:20
